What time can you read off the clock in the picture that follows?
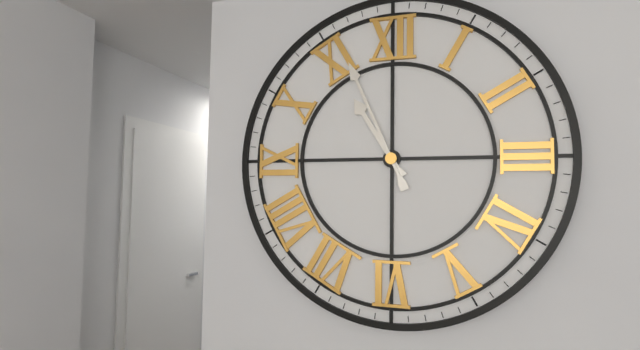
10:56
